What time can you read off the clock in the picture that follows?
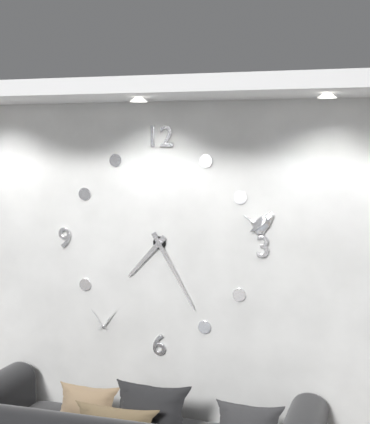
7:25
